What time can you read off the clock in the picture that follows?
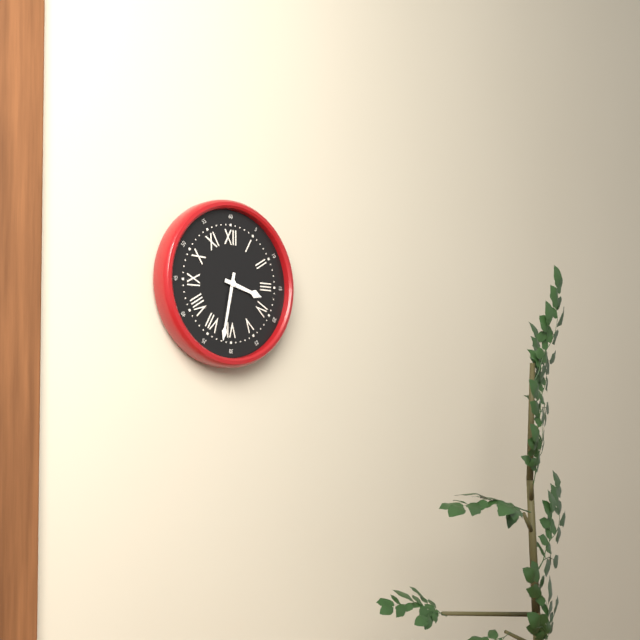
3:32
